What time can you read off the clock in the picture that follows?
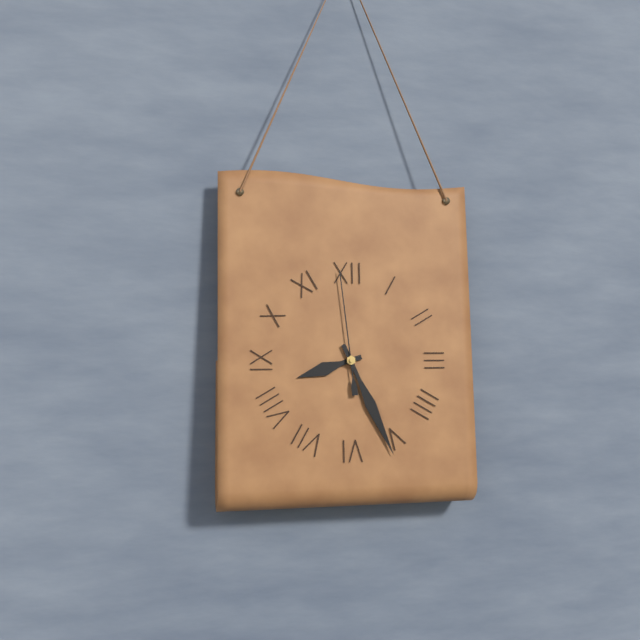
8:26:59
